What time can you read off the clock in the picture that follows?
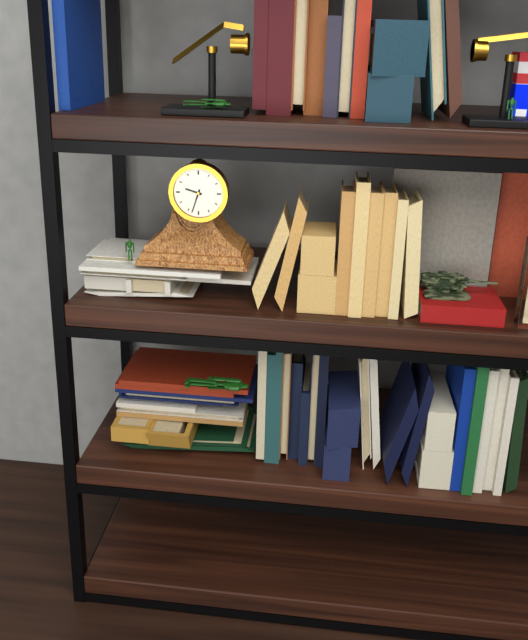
9:33
